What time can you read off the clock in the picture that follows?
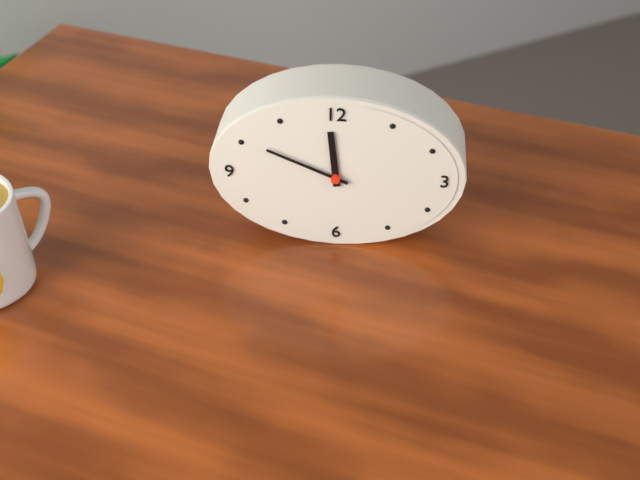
11:49
